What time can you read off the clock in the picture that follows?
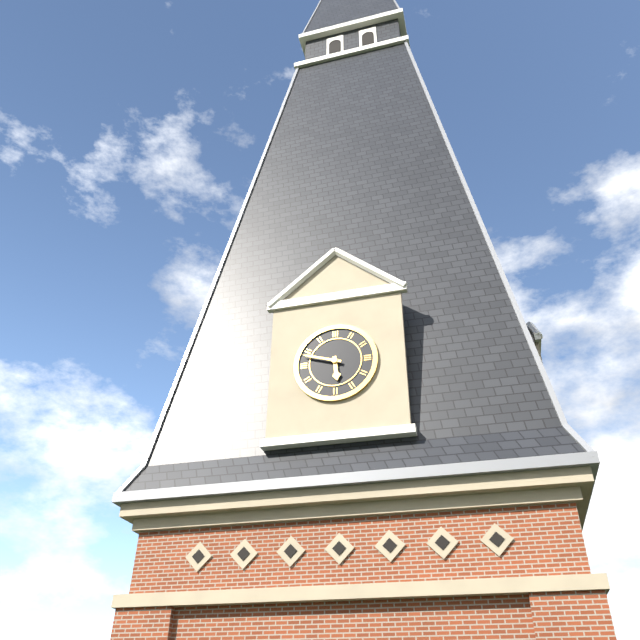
5:48
